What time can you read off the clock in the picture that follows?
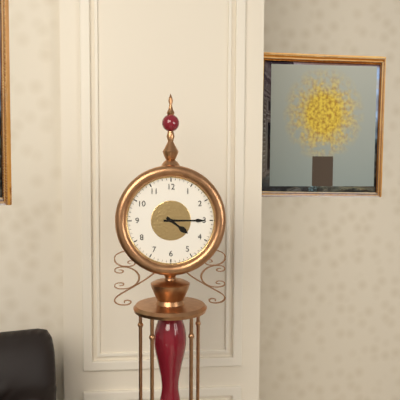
4:15
